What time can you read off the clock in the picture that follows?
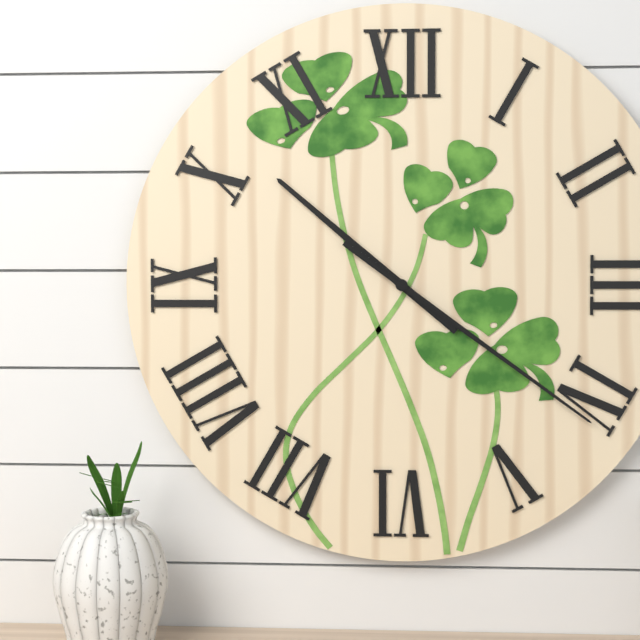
10:21
